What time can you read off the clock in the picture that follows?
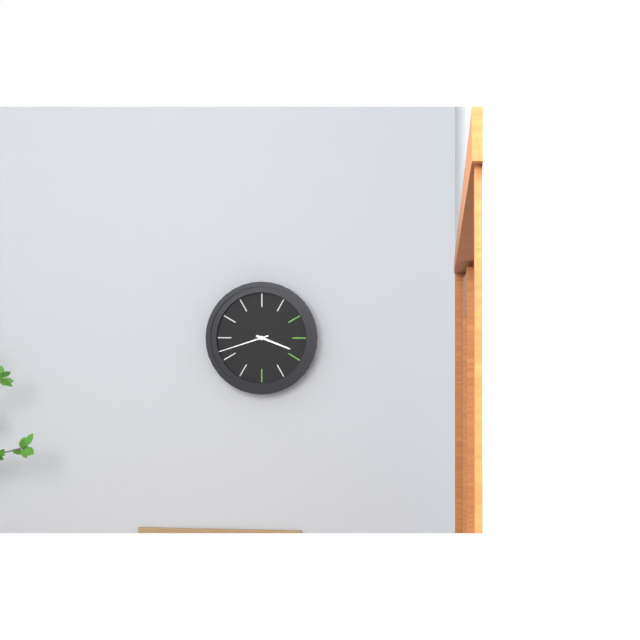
3:42
